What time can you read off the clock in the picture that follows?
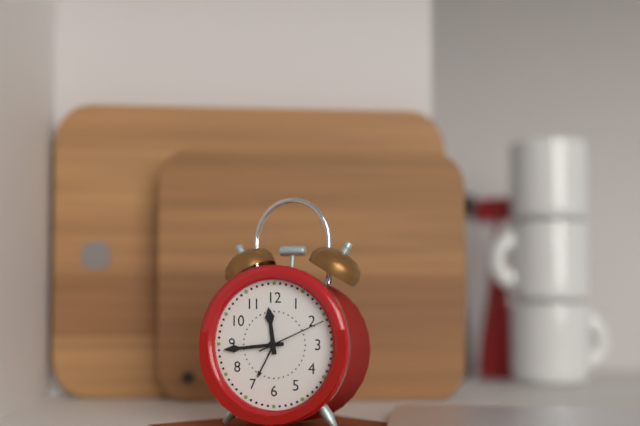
11:44:11
